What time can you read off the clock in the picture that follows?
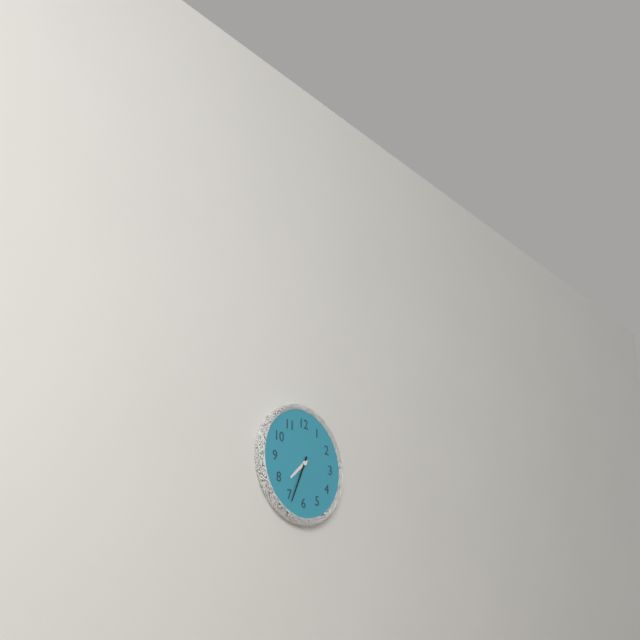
7:34
